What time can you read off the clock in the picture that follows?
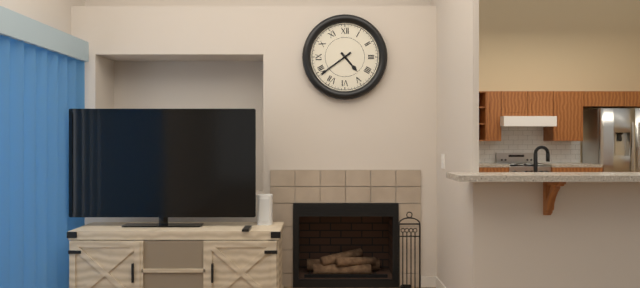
4:39
